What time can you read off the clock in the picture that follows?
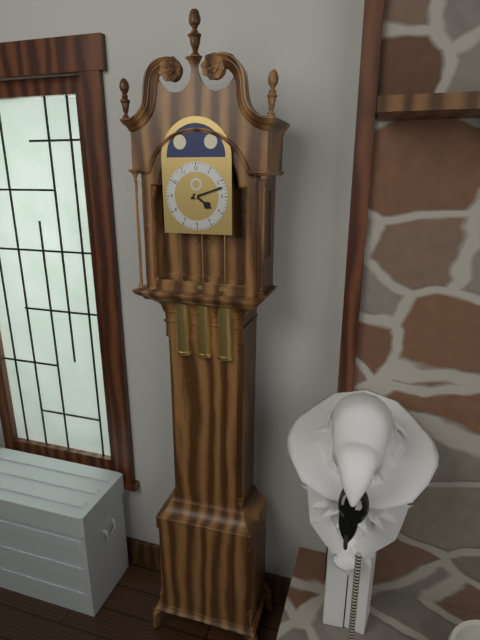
4:12
